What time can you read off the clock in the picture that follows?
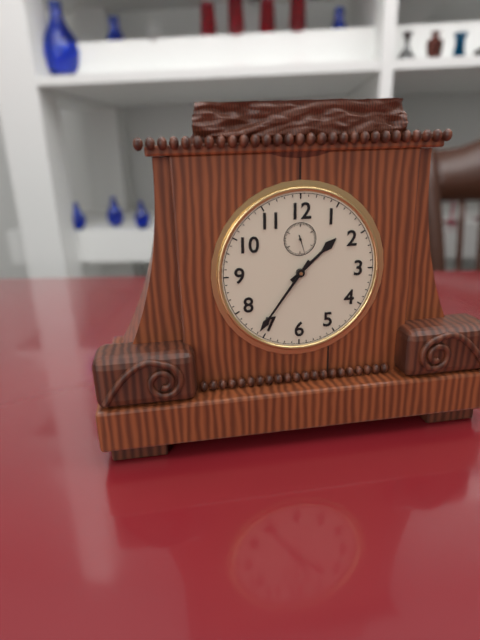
1:36
